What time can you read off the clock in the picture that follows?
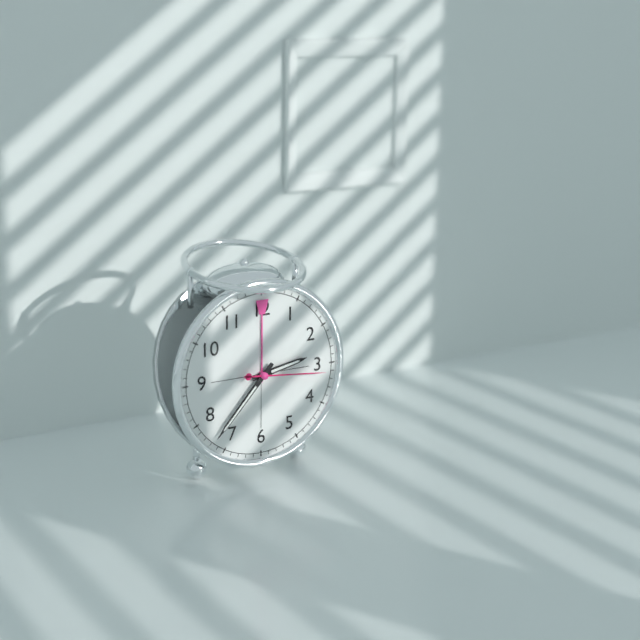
2:37:16
